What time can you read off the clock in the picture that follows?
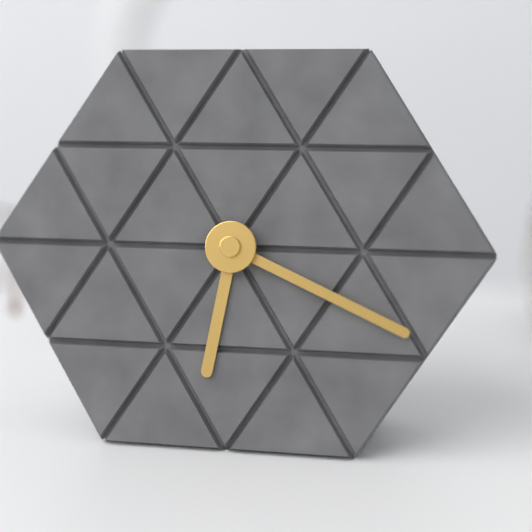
6:19
